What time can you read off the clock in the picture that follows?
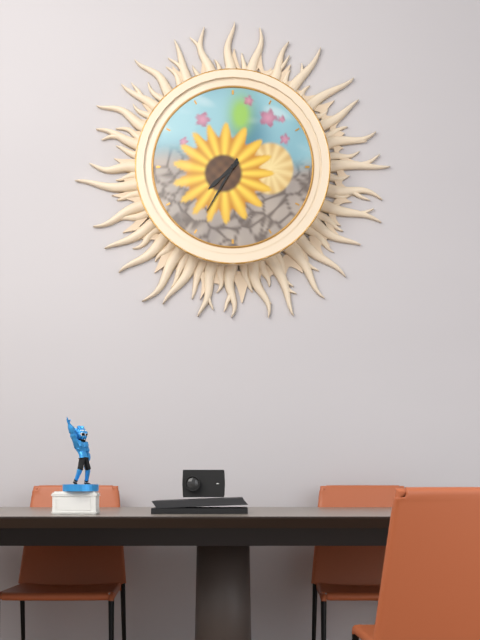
7:35
